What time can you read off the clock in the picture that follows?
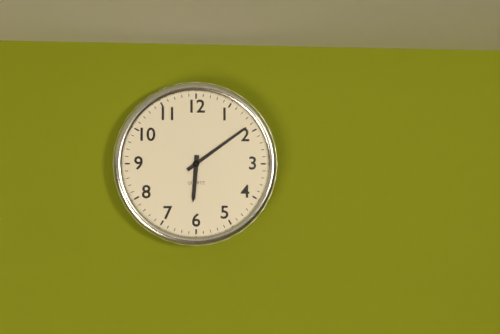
6:09
